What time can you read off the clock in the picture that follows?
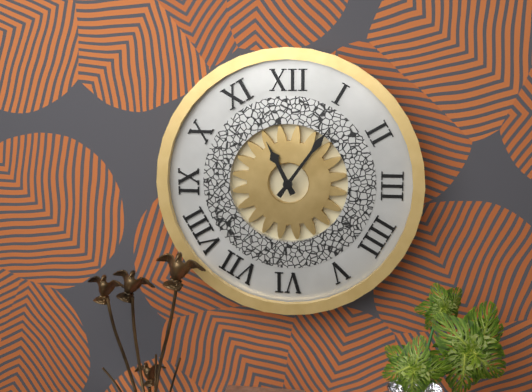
11:06
